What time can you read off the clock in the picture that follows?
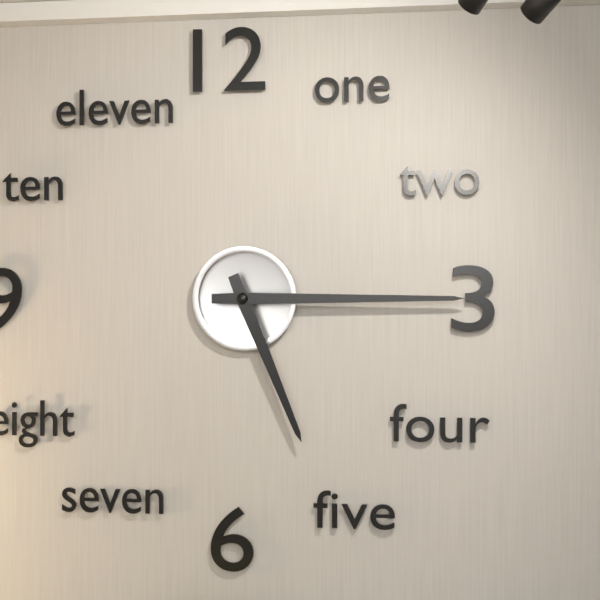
5:15
